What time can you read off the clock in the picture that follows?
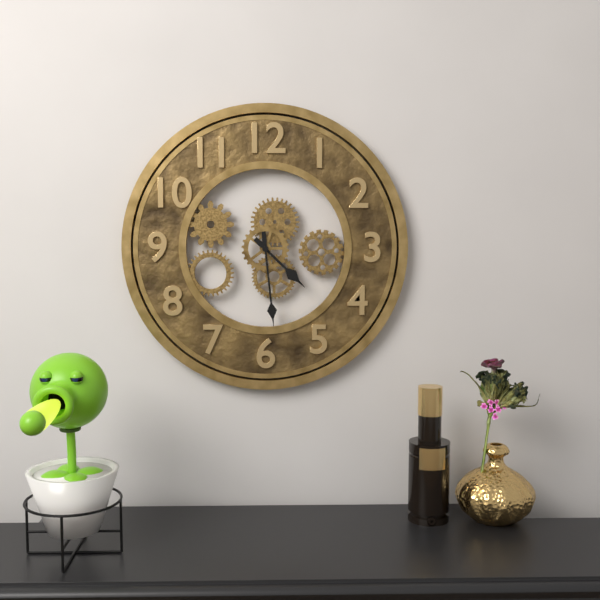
4:29
